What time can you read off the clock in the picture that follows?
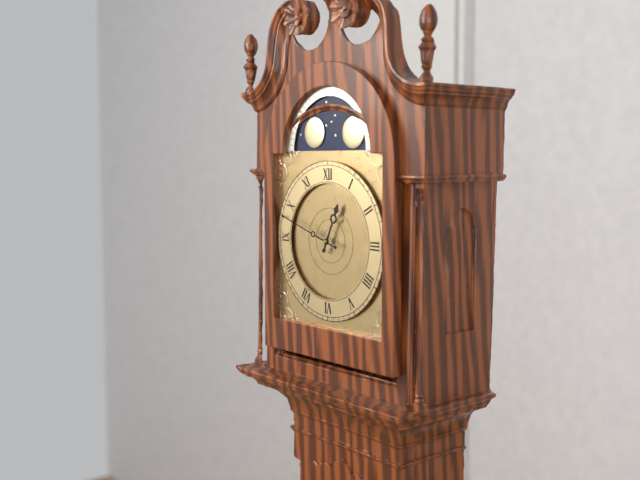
12:48
